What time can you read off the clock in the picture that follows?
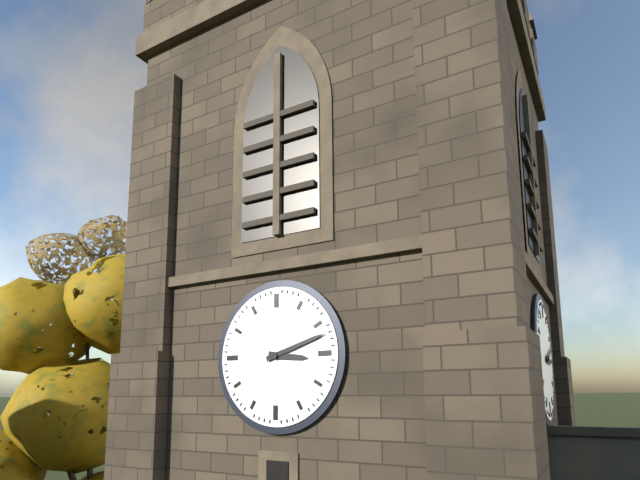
3:12
